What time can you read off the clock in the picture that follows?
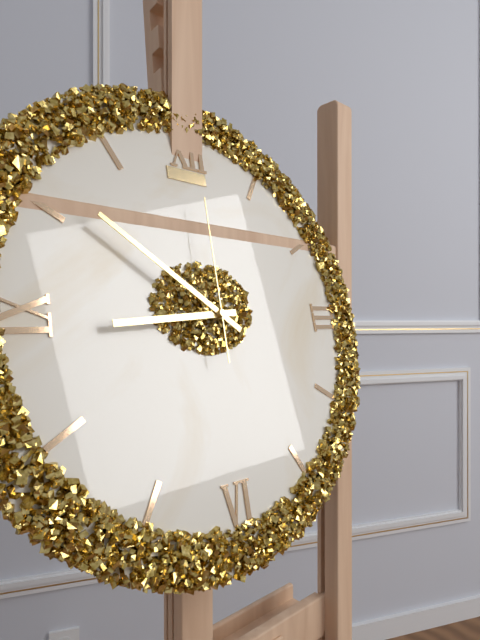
8:51:00
